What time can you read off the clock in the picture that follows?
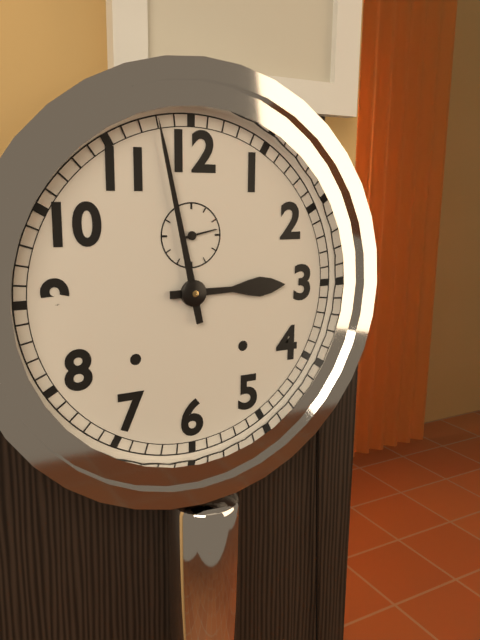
2:58
